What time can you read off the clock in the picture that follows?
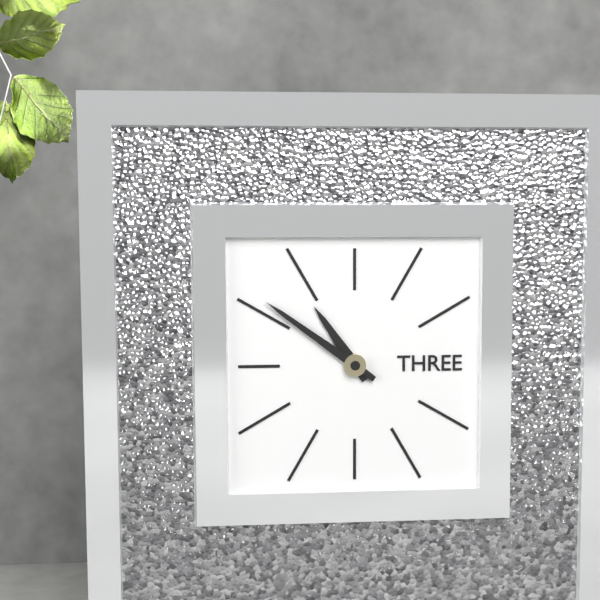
10:51
